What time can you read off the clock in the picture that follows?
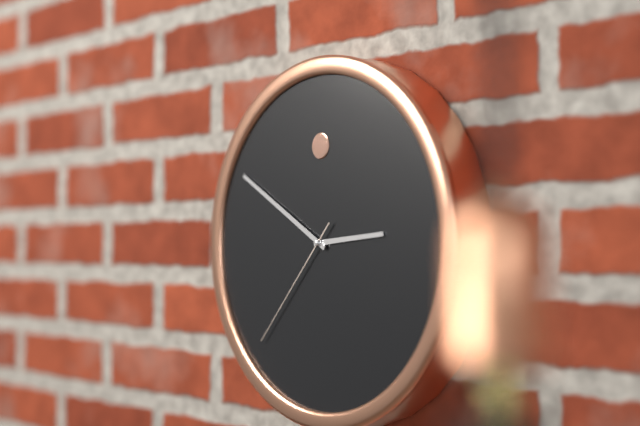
2:50:37
